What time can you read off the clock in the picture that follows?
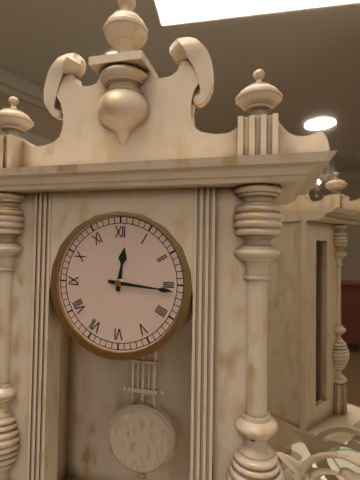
12:16
